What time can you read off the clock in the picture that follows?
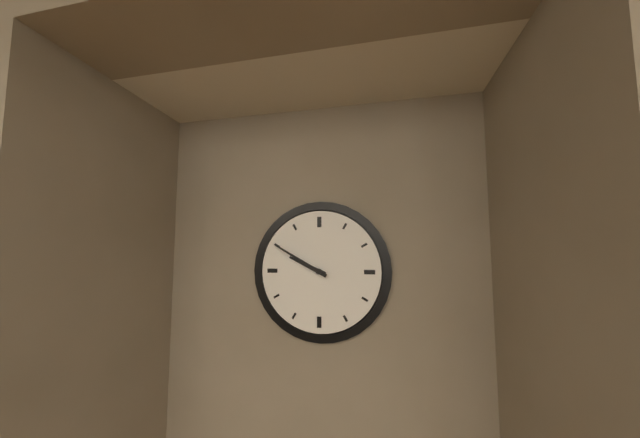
9:50
